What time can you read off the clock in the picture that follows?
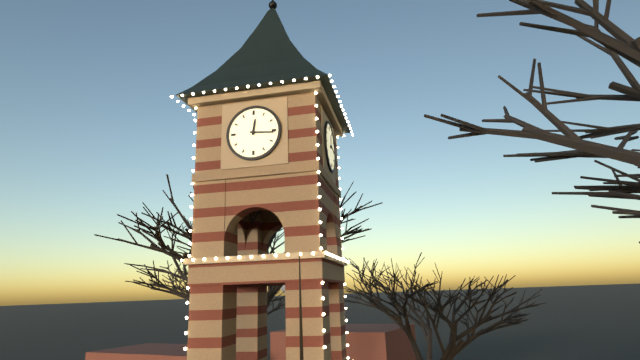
12:16
